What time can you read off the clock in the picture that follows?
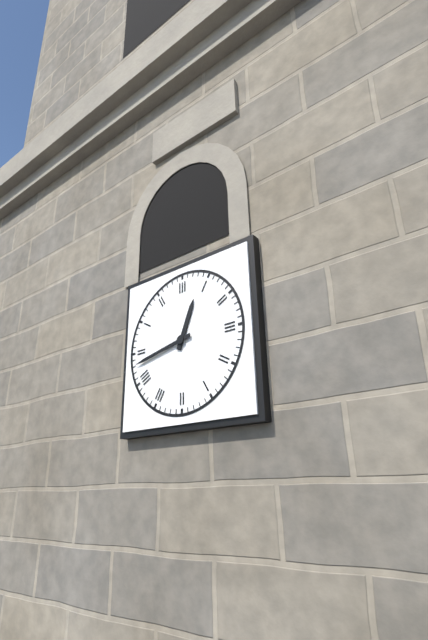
12:43
